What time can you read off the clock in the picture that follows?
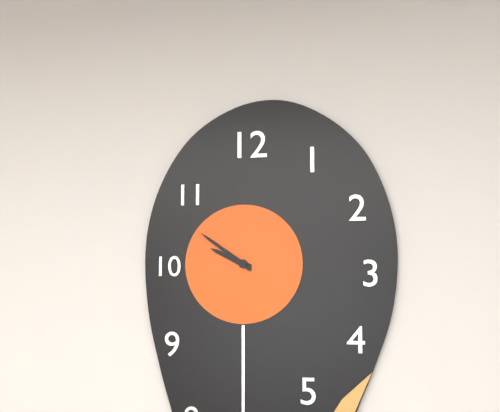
9:51
